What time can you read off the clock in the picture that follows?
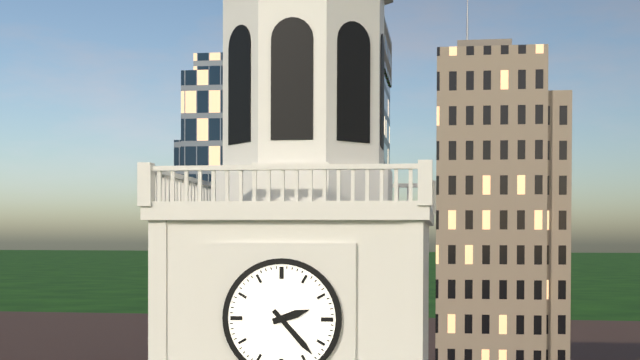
2:23
